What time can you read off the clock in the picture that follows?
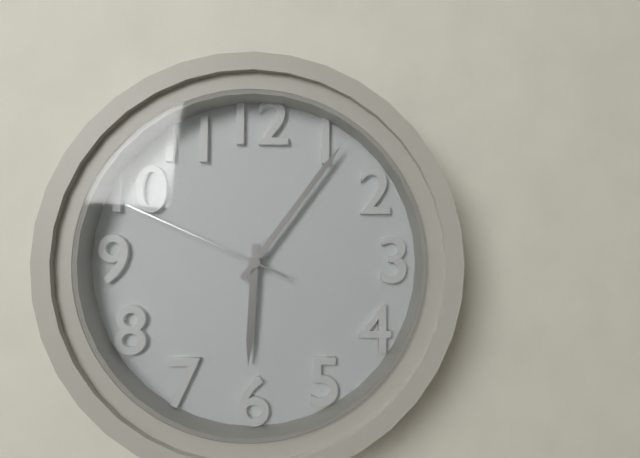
6:06:49
